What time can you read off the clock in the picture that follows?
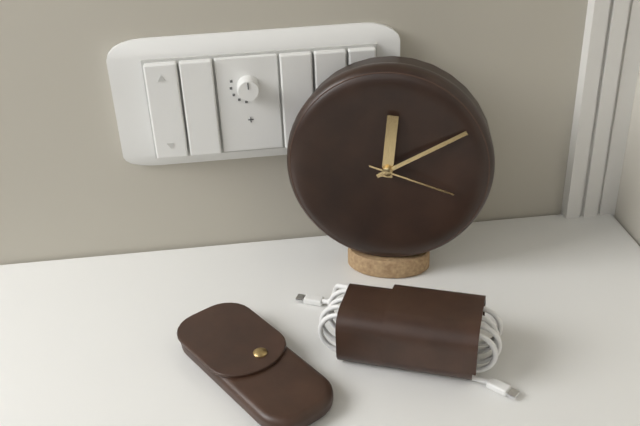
12:10:18
